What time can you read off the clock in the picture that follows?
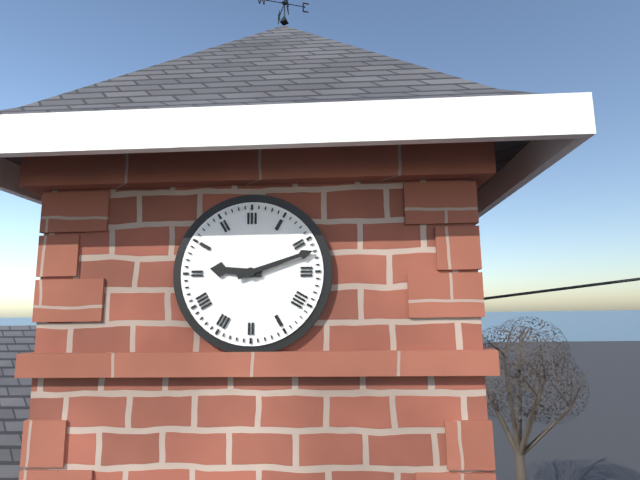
9:12
